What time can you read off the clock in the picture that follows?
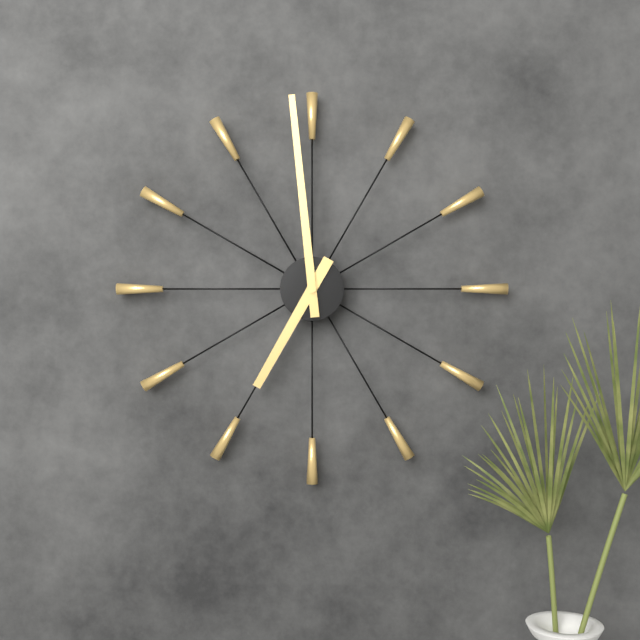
6:59
